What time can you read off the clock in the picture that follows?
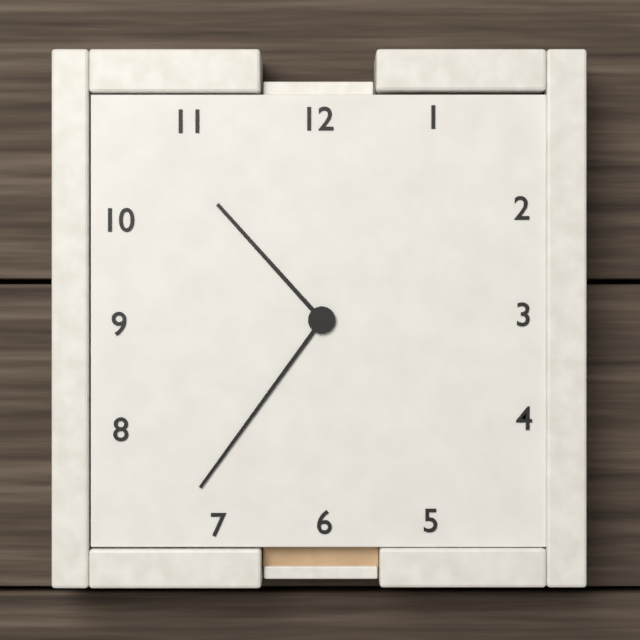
10:36
